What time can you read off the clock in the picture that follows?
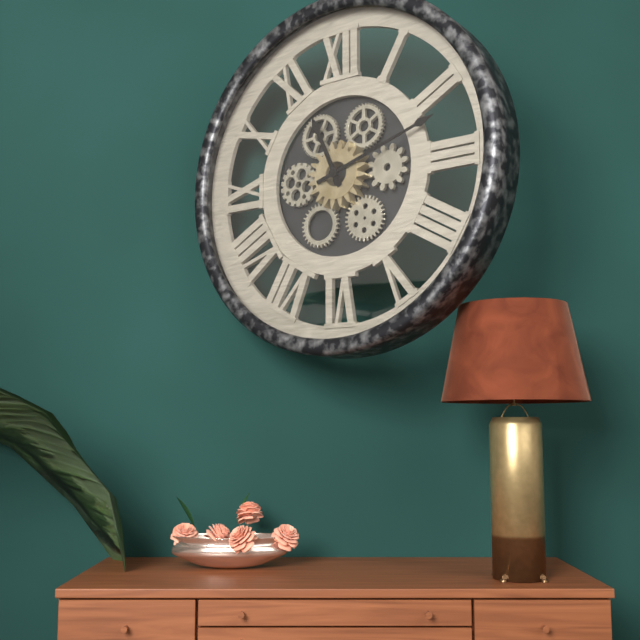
11:12
